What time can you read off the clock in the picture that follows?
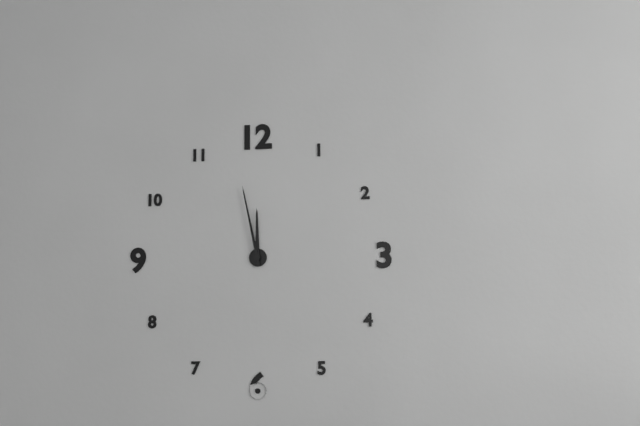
11:58
